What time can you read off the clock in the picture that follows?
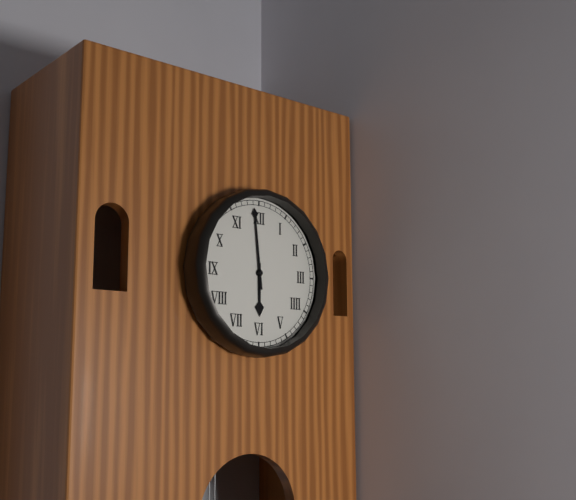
5:59
